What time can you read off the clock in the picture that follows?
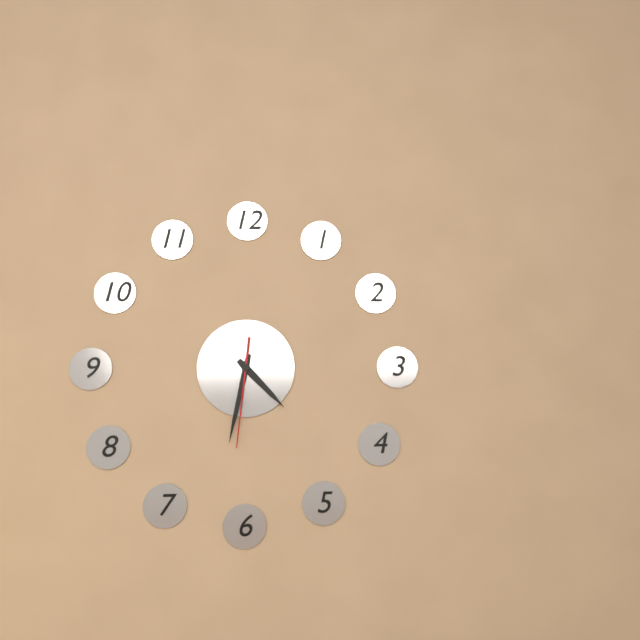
4:32:31
